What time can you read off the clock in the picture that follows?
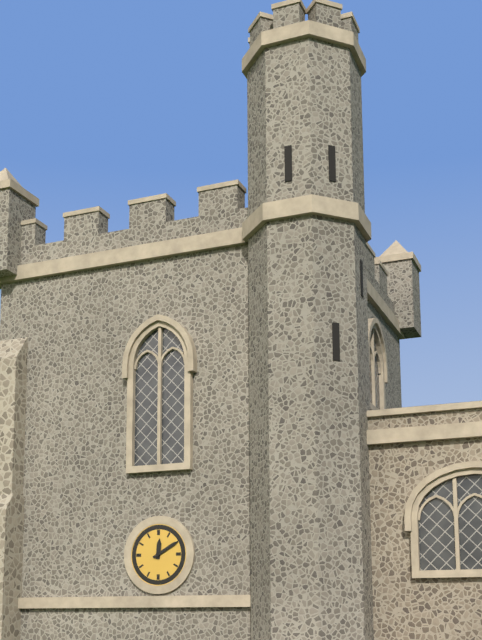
12:10
